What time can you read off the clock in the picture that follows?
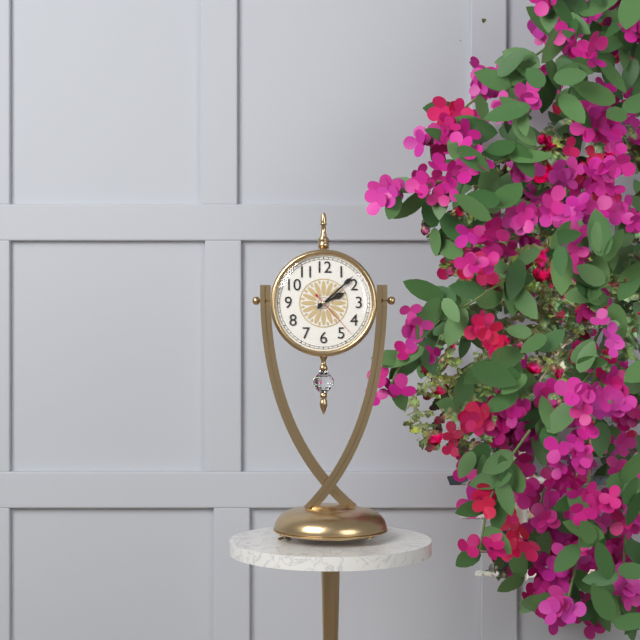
2:08:23
